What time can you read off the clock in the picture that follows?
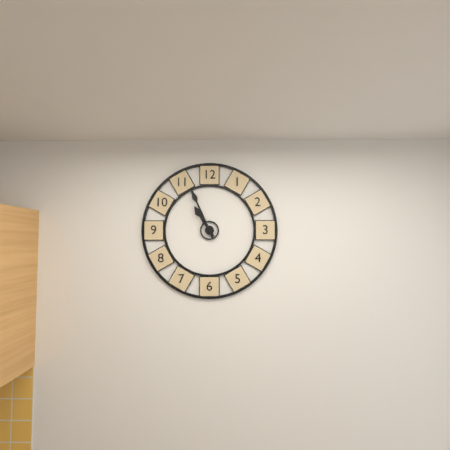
10:56
